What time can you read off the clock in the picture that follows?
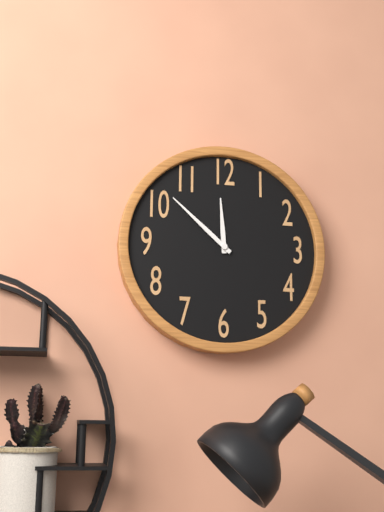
11:52
